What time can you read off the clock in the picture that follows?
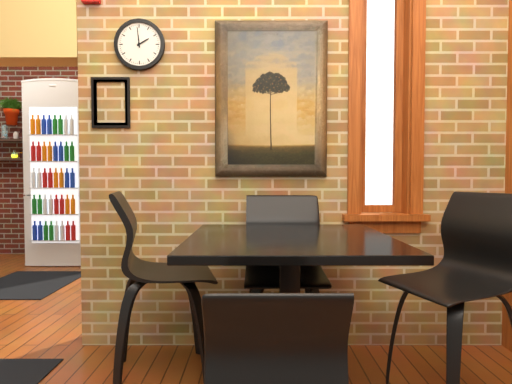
1:59
